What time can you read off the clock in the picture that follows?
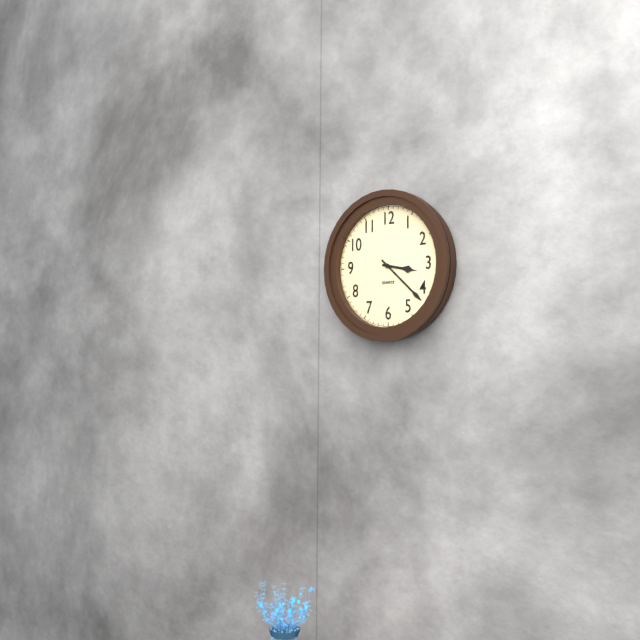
3:22
